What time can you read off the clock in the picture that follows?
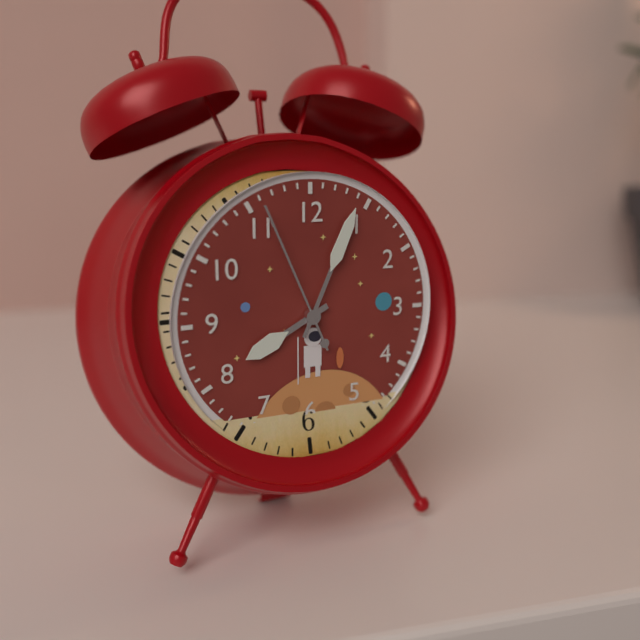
8:04:56
